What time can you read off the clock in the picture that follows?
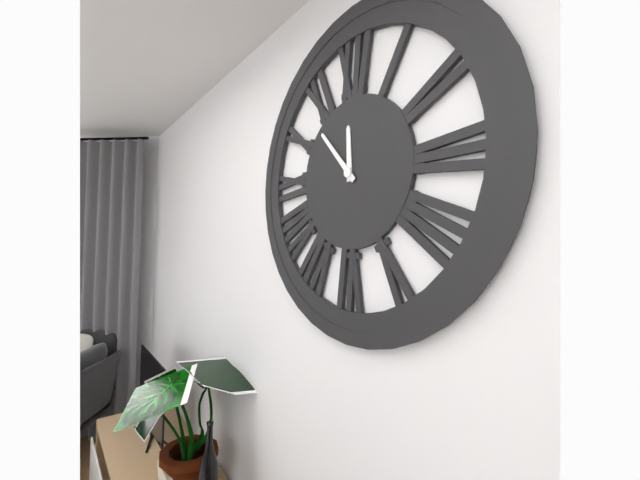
11:53
